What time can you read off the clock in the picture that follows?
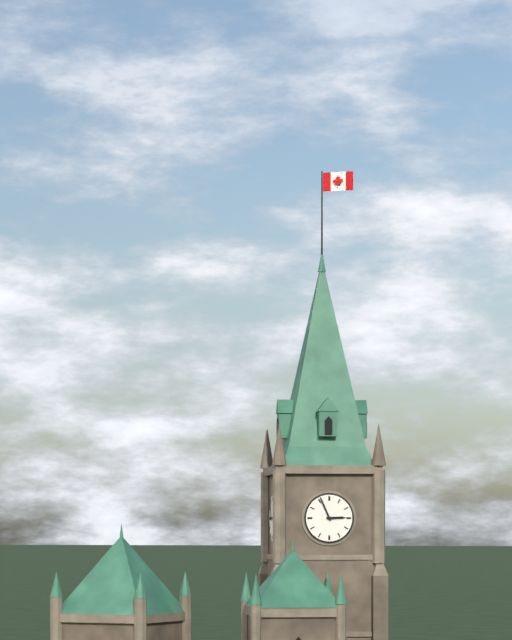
2:56
